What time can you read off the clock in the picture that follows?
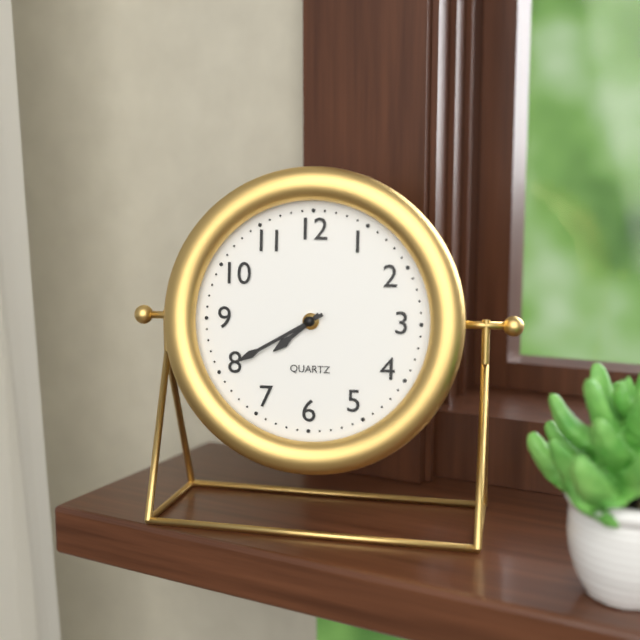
7:40
